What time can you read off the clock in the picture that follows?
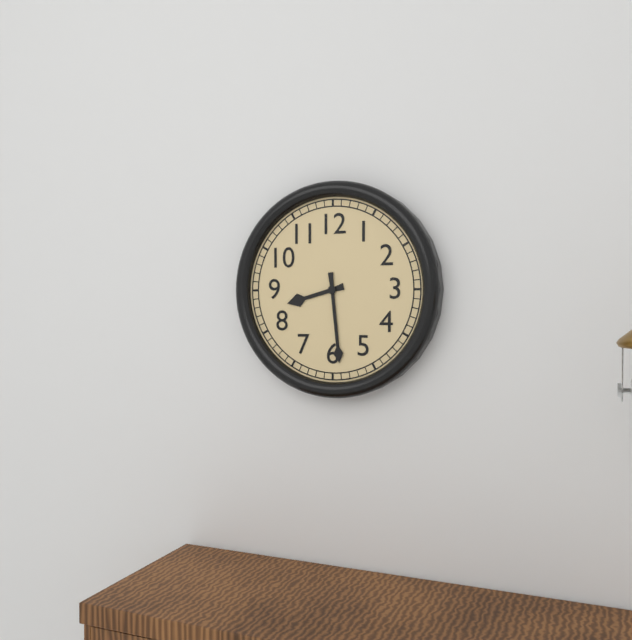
8:29
